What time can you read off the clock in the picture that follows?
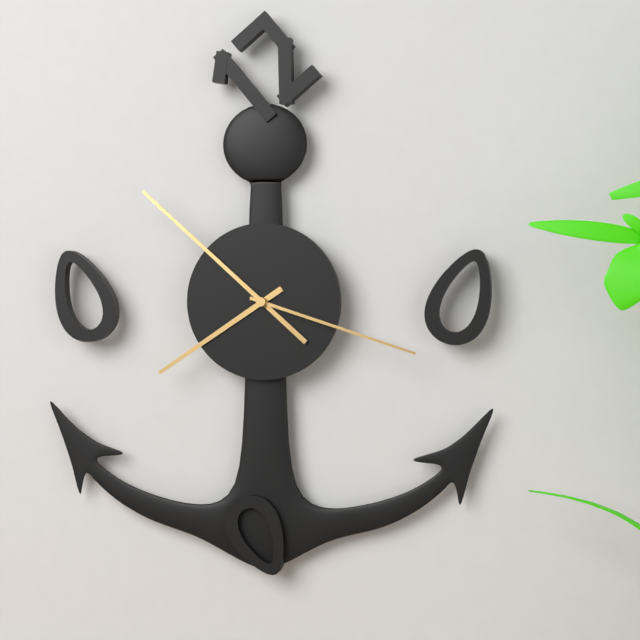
7:52:18
